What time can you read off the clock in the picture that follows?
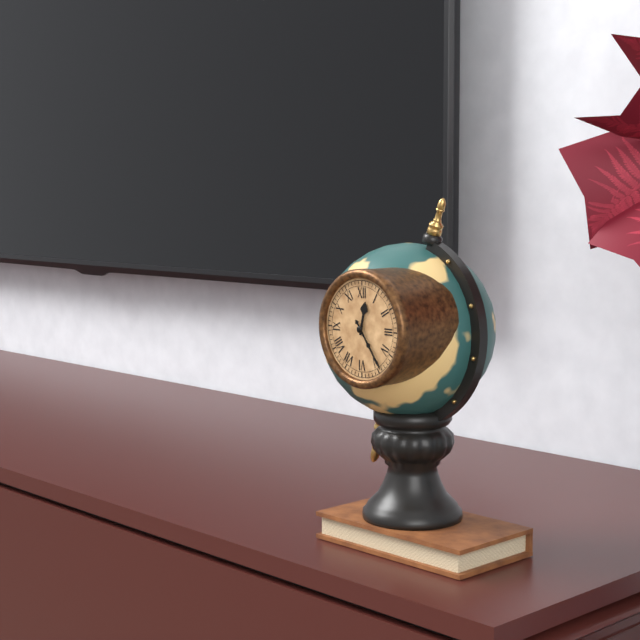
12:24
